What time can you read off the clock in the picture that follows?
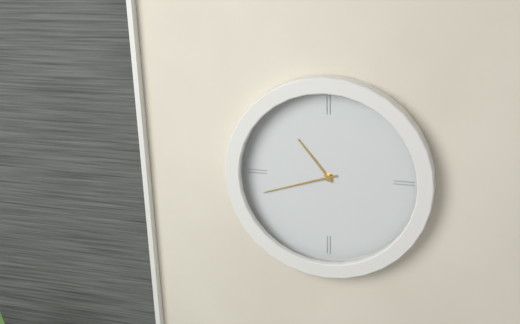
10:42
